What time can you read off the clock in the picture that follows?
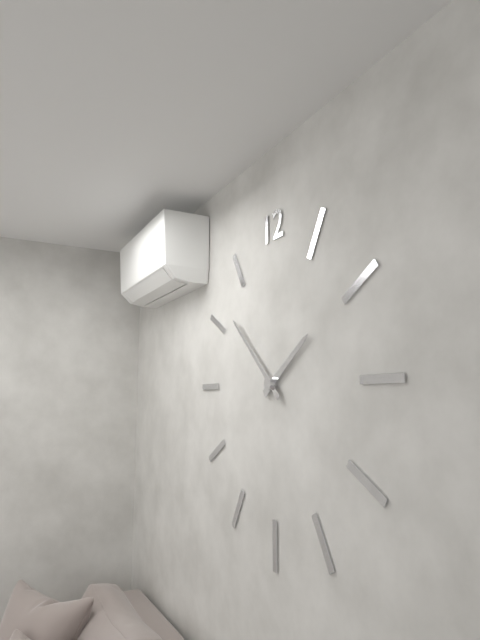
1:52
